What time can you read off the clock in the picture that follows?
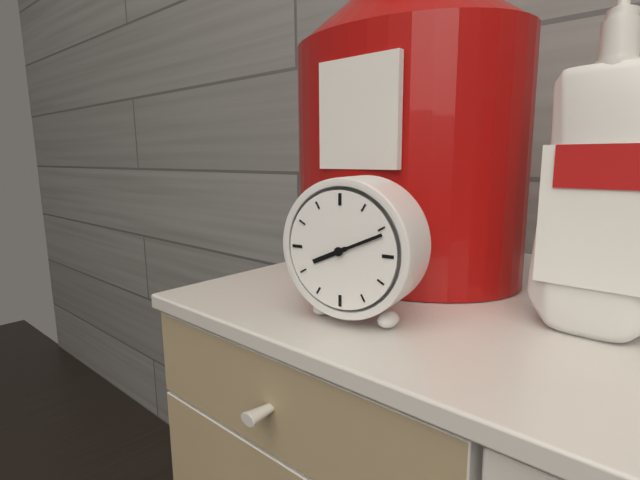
8:11
